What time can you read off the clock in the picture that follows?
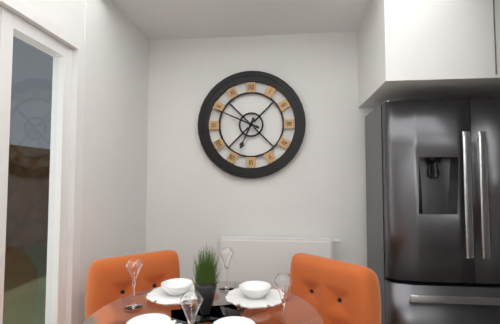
6:49
